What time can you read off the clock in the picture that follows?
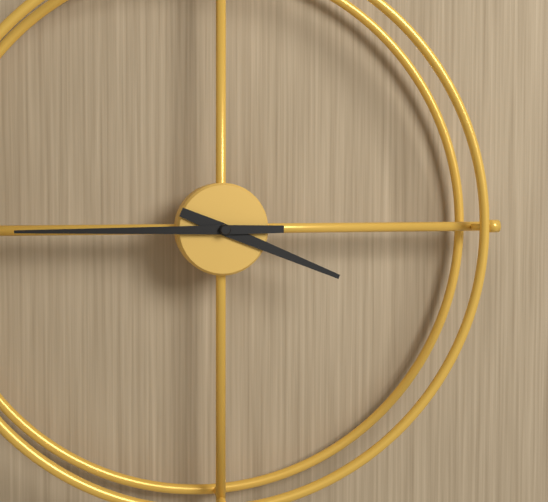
3:45
